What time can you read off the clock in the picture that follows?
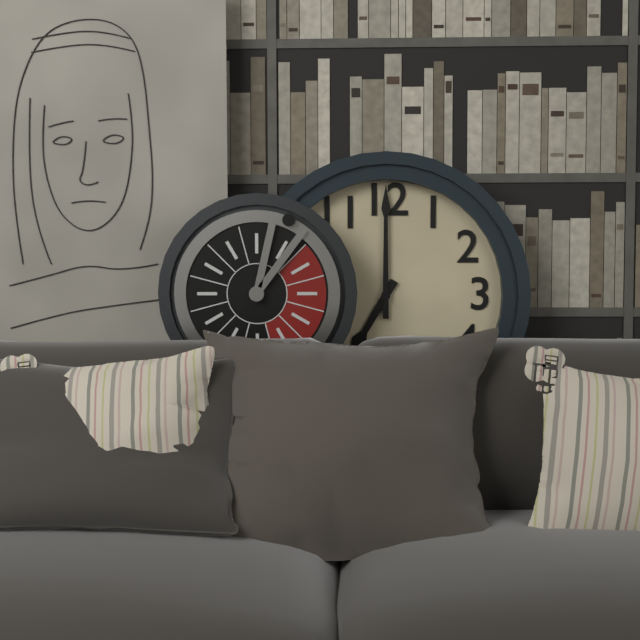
7:00
